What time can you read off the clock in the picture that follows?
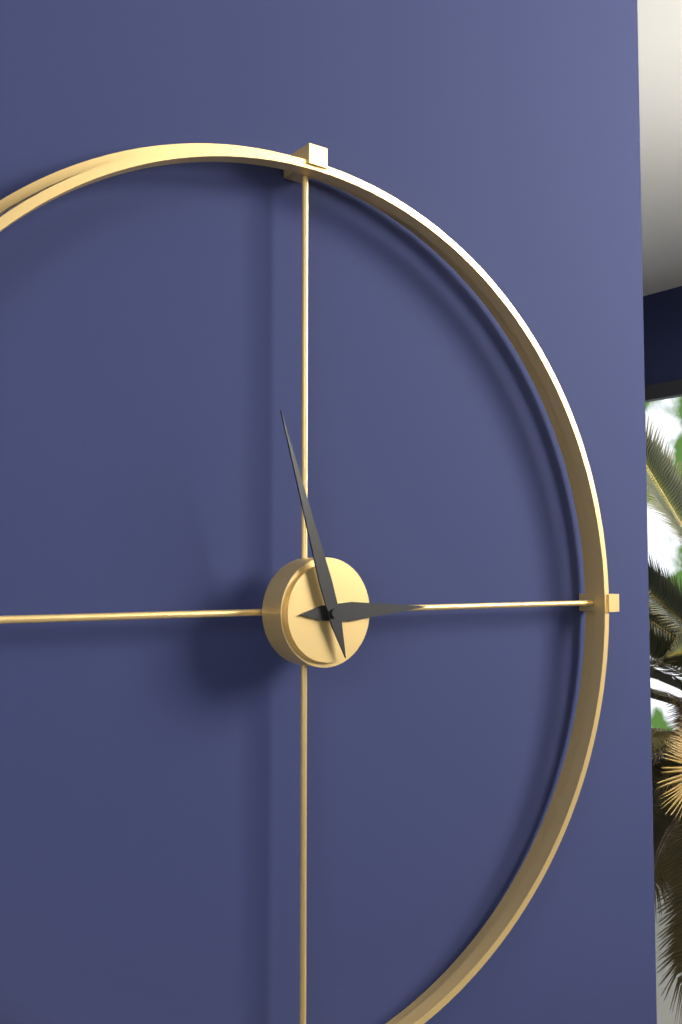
2:57
